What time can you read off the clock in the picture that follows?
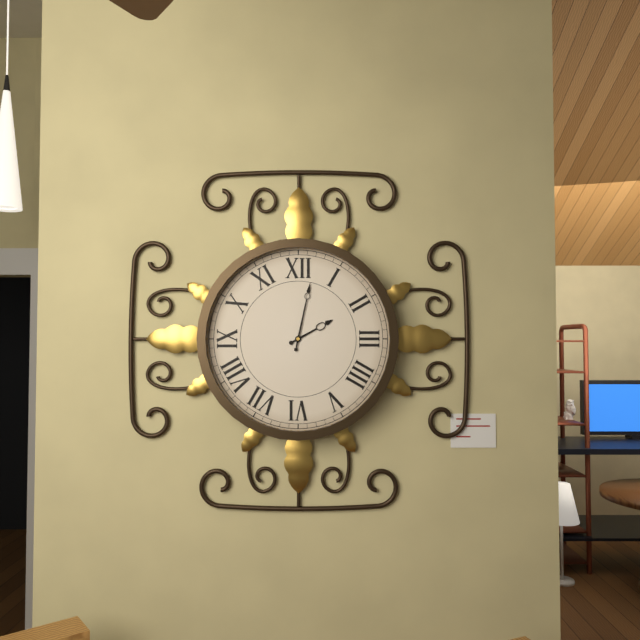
2:02
